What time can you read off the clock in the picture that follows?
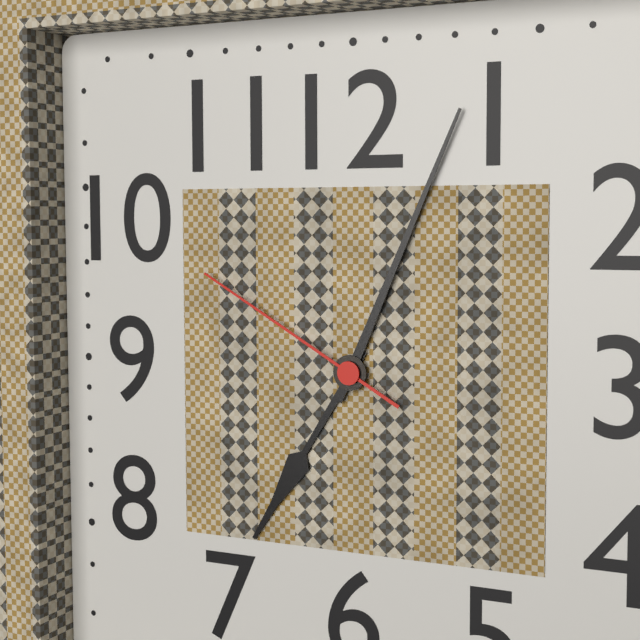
7:04:50
